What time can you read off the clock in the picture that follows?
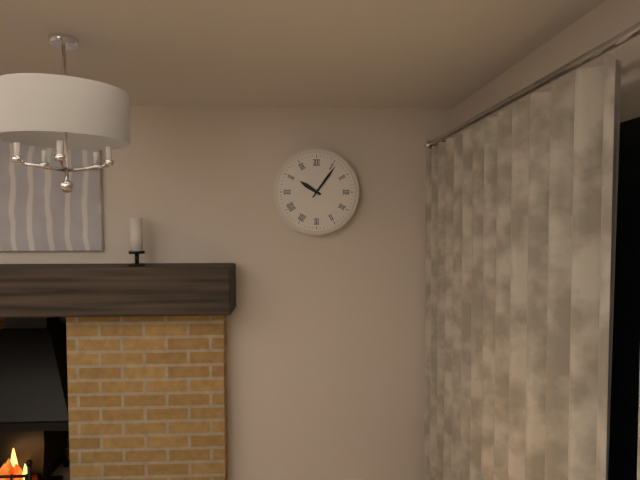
10:06
